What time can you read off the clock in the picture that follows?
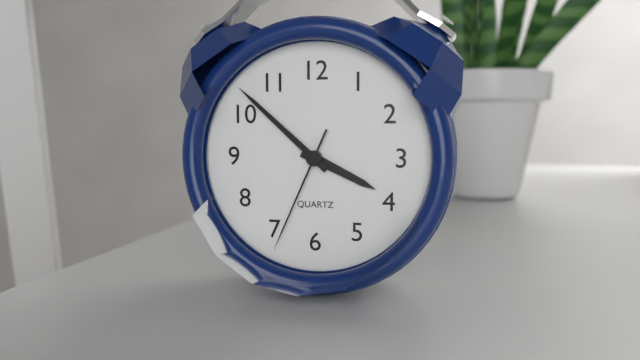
3:52:34
